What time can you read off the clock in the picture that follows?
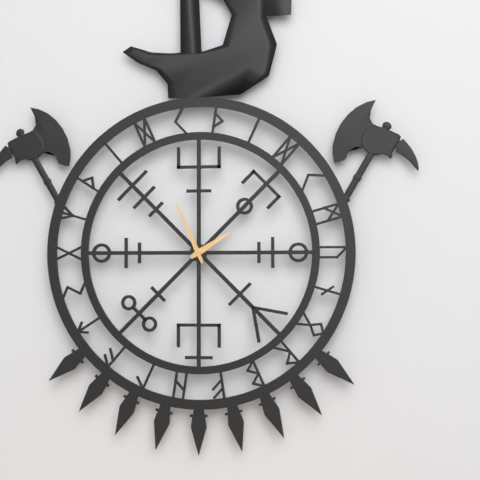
1:56
